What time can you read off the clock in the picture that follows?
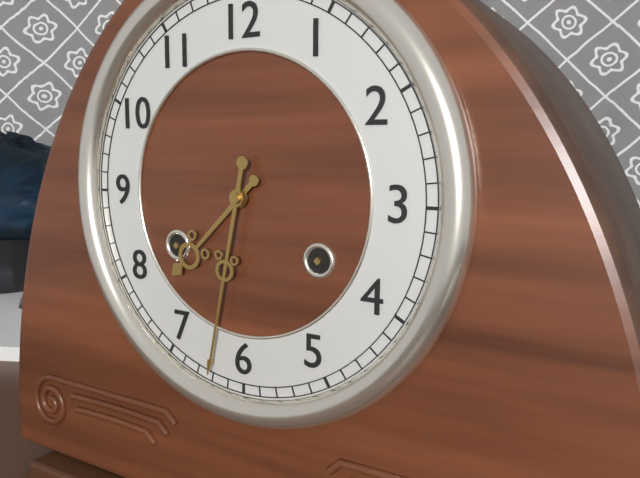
7:32
